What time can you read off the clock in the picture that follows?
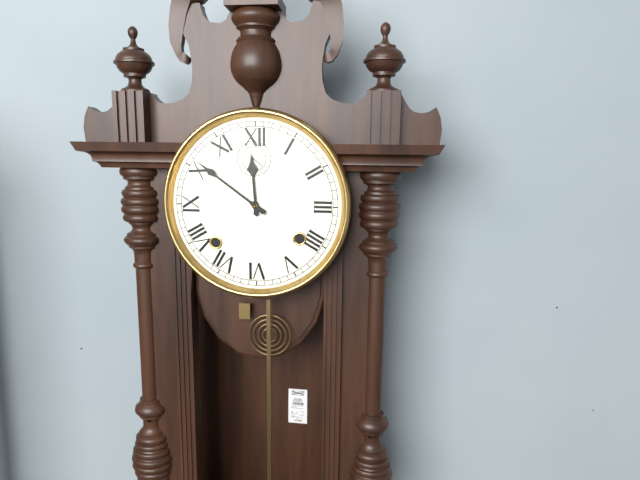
11:51
